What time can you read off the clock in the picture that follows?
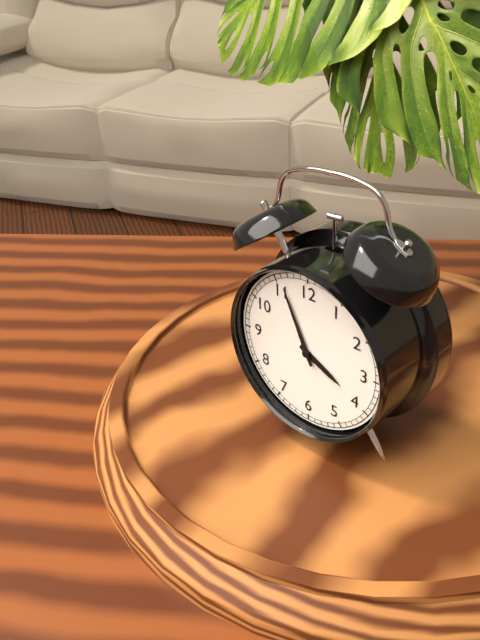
3:56
